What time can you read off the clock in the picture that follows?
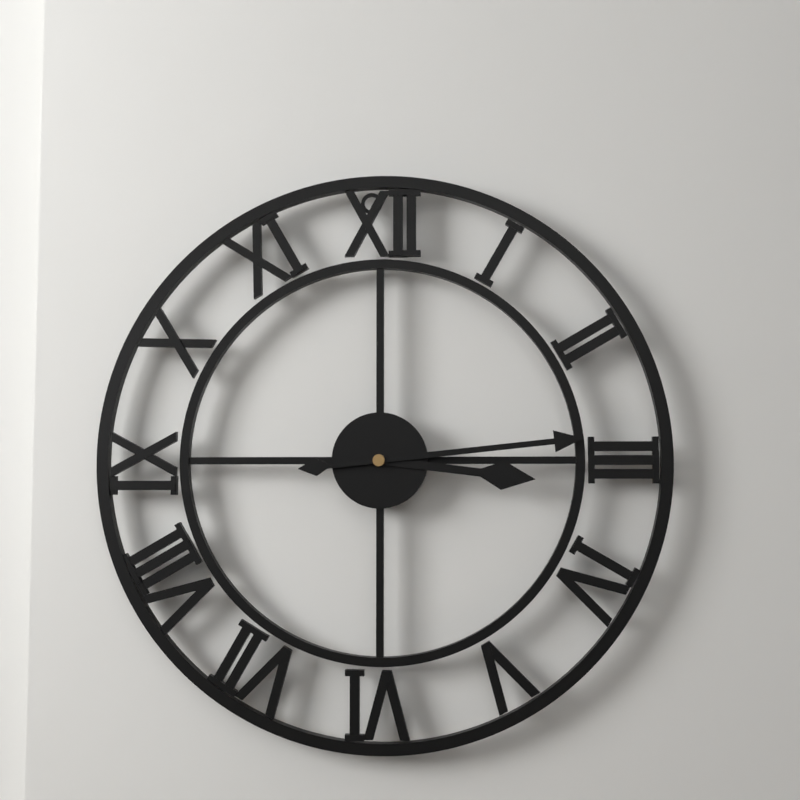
3:14
